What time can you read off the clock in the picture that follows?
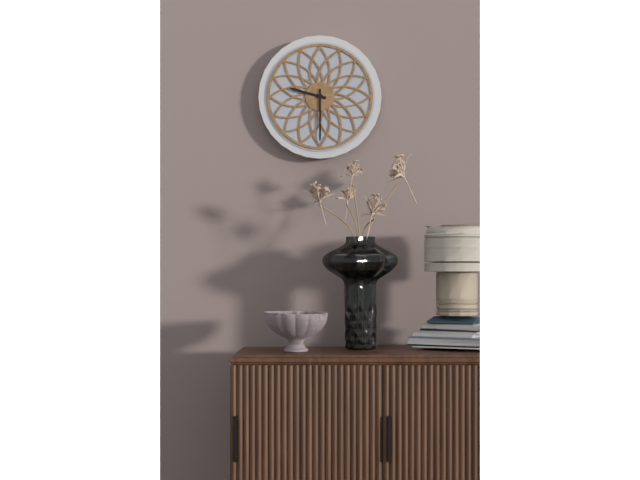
9:30
